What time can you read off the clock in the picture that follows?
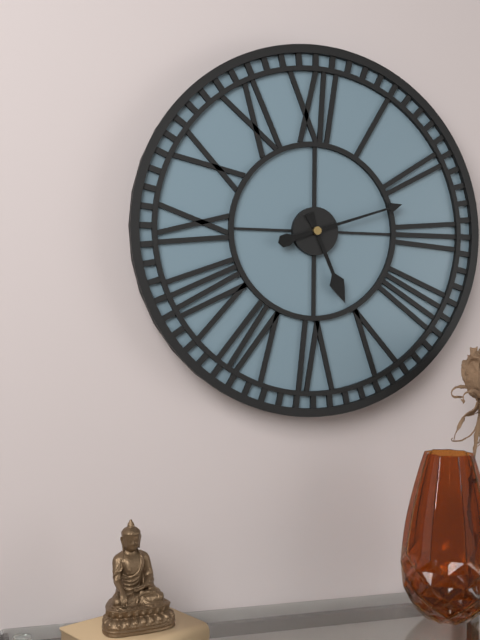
5:12
